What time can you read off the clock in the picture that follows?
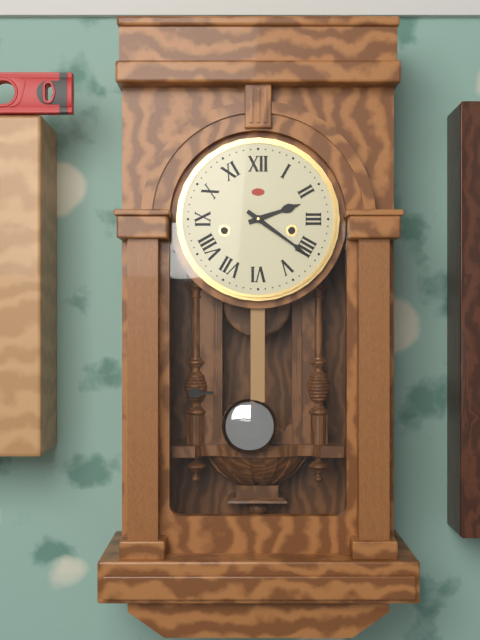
2:21
